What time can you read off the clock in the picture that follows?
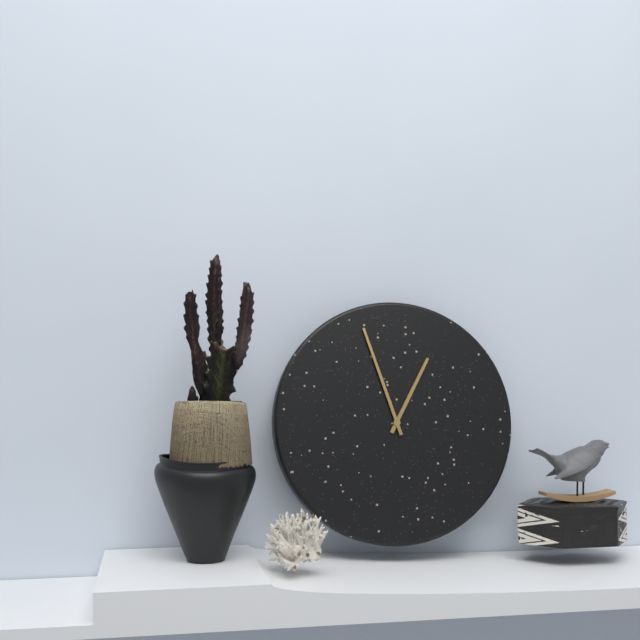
12:57
